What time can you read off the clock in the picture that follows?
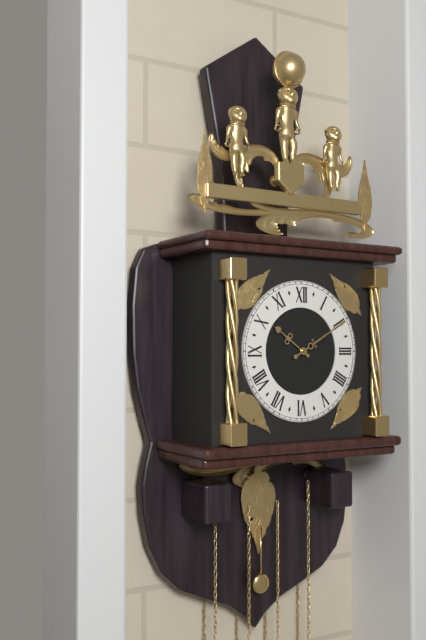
10:10
